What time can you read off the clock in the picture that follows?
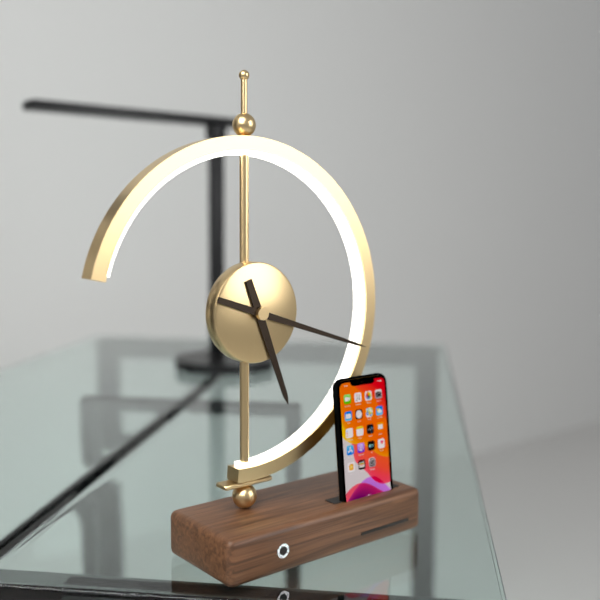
5:18
